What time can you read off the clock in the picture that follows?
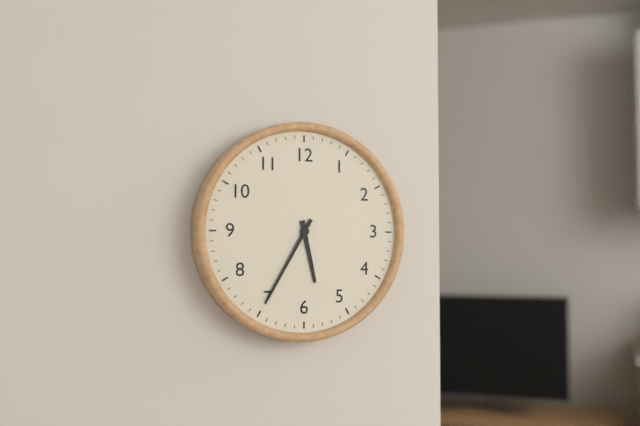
5:35
